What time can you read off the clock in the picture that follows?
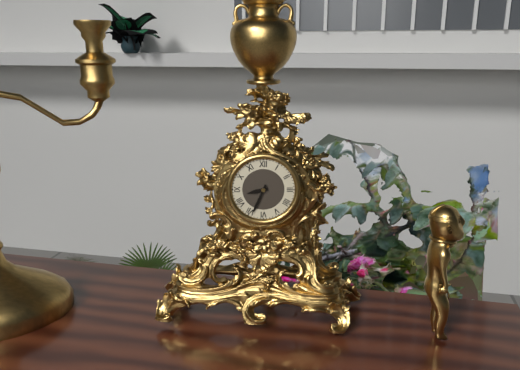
8:34
